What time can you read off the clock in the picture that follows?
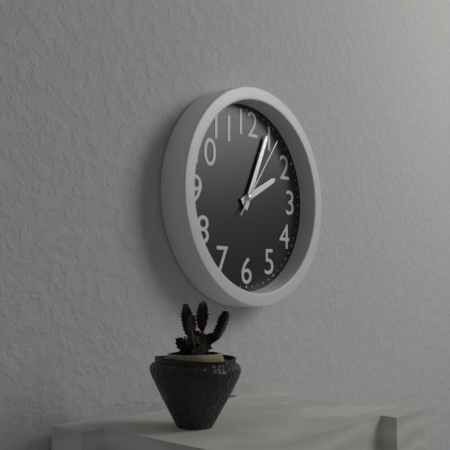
2:04:06
